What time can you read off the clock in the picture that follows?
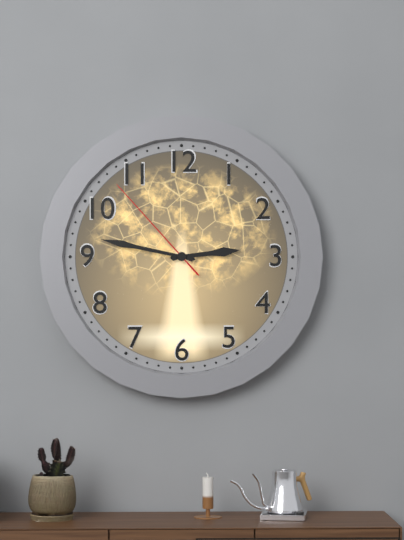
2:47:53
